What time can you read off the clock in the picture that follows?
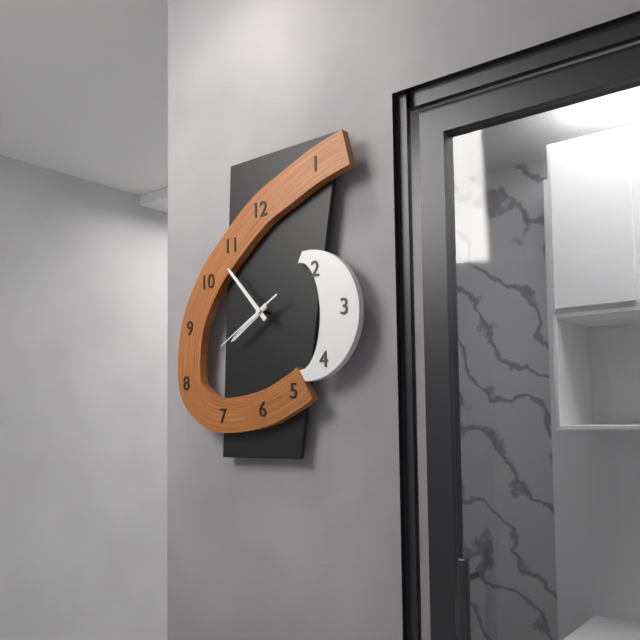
7:53:40
